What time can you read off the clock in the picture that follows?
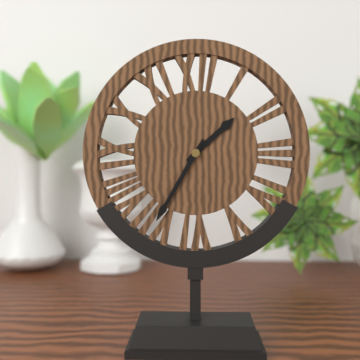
1:35
